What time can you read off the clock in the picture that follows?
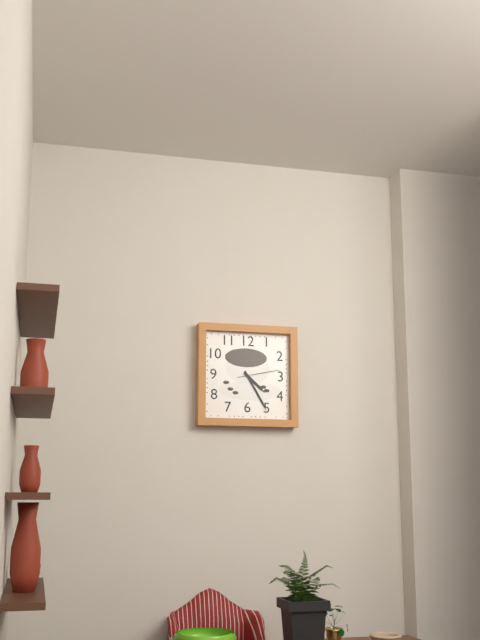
4:25
